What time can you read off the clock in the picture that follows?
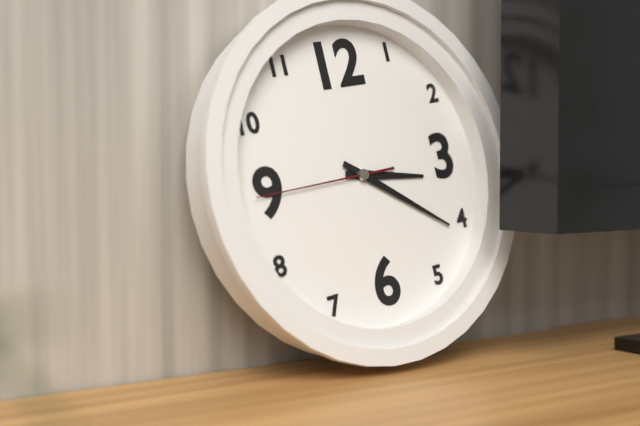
3:21:45
